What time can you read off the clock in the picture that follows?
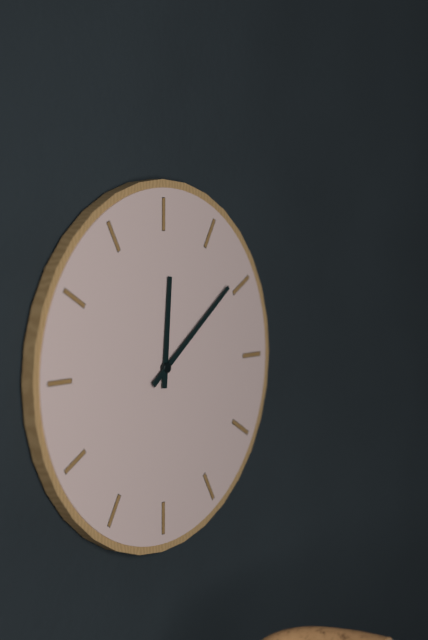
12:09
